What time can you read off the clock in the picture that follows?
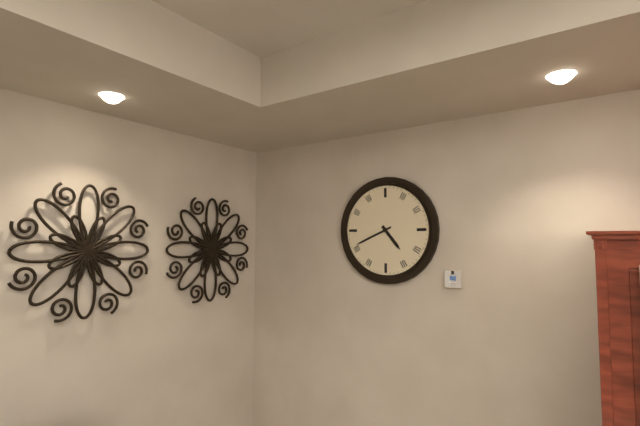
4:41
